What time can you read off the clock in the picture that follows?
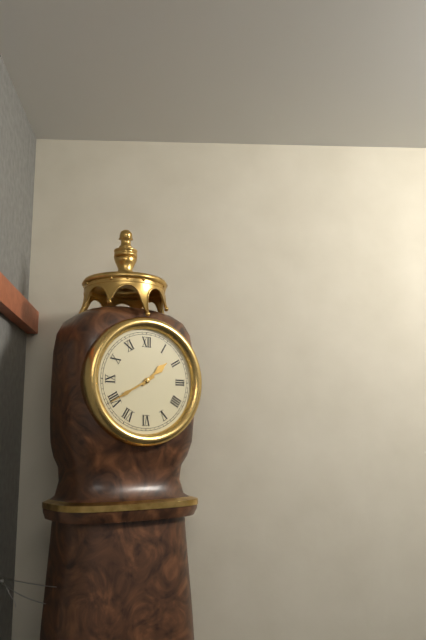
1:40
